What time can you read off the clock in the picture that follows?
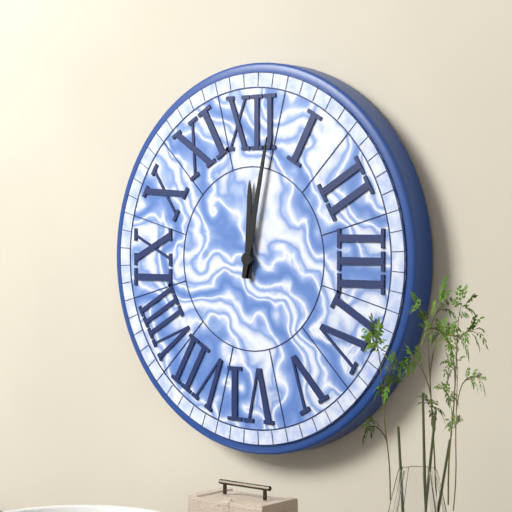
12:02
